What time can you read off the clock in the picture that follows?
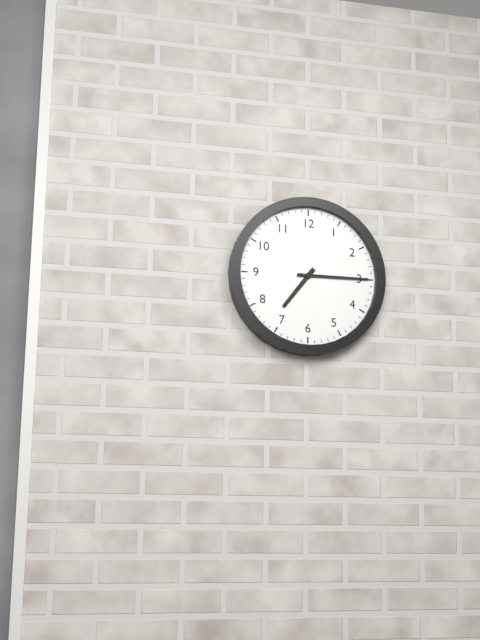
7:15
